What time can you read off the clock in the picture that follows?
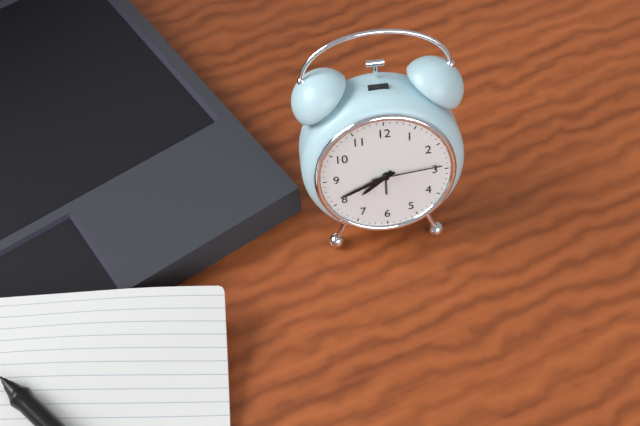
7:41:14
